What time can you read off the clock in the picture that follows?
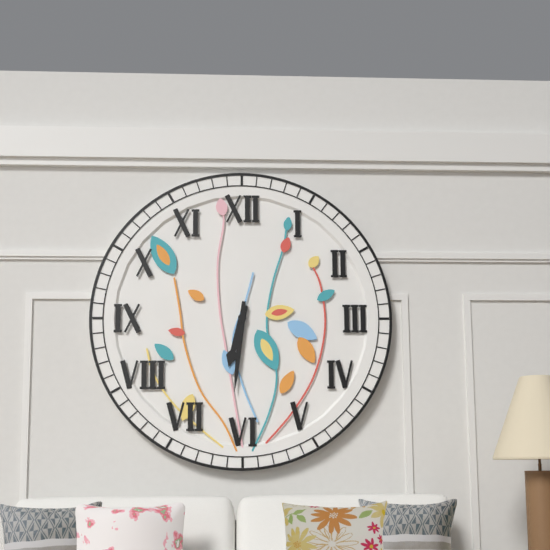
6:31
